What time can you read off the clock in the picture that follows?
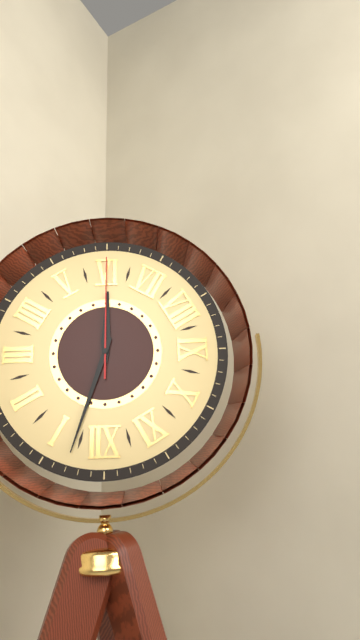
6:03:30
